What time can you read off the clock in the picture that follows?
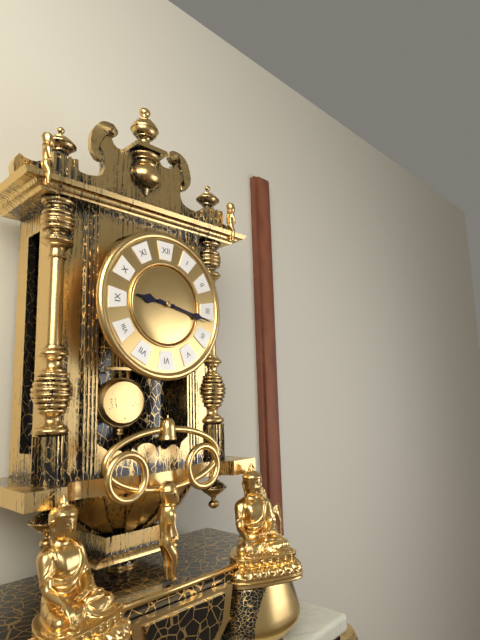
9:17
